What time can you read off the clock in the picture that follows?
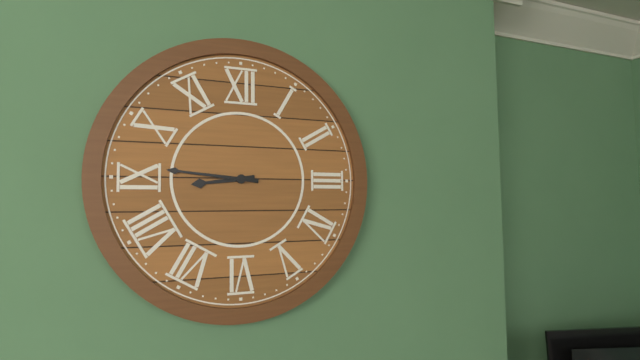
8:46
